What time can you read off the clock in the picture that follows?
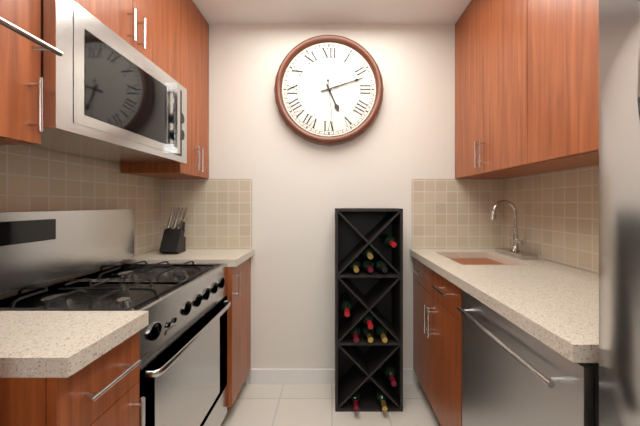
5:12:29
